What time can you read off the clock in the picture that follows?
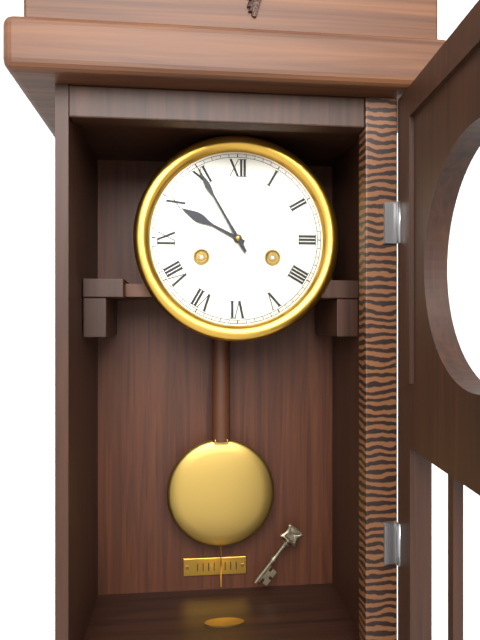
9:55
